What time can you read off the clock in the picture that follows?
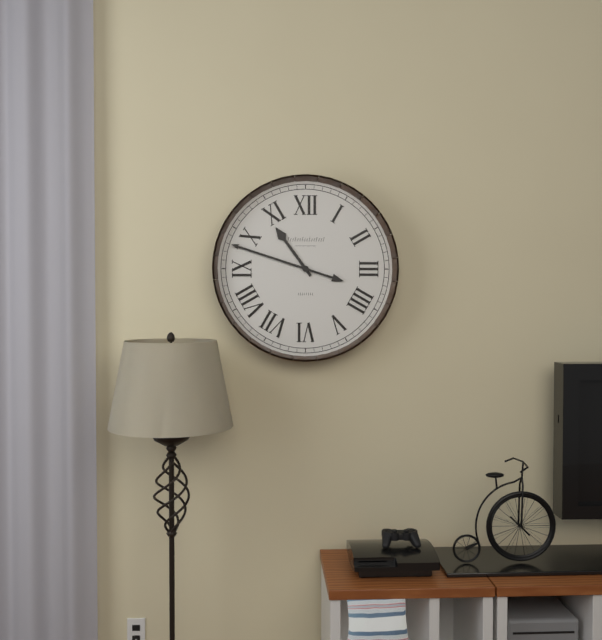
10:48
